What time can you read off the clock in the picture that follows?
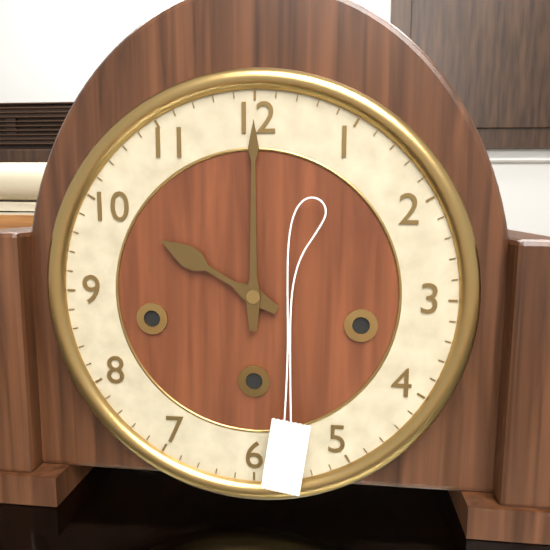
10:00
